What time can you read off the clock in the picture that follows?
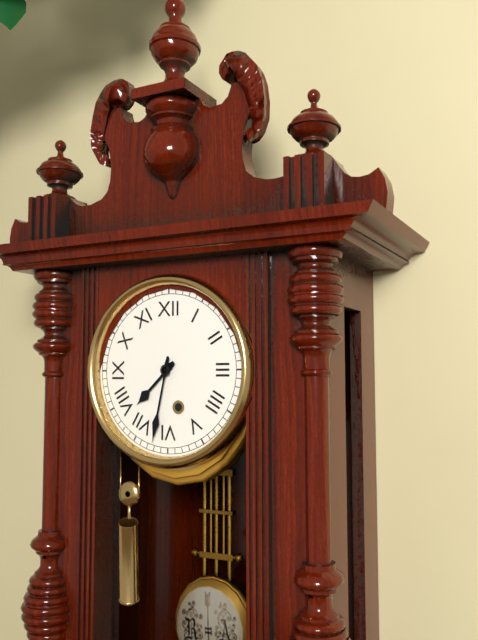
7:32
